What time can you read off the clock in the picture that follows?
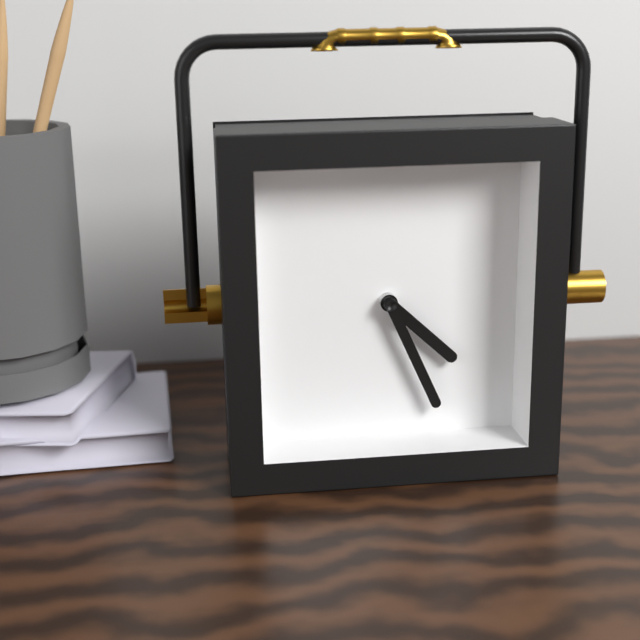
4:26
